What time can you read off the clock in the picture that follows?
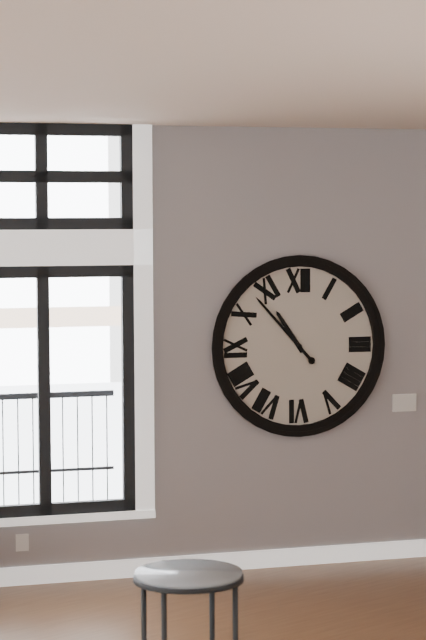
10:53
